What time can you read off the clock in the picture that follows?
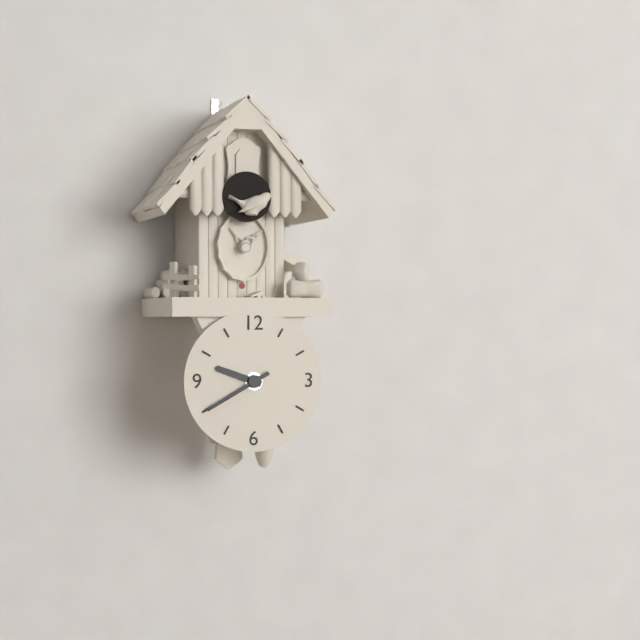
9:40
